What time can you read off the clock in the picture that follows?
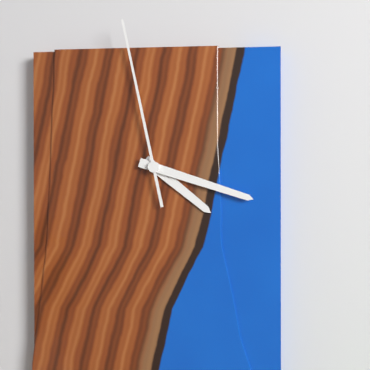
4:18:58
